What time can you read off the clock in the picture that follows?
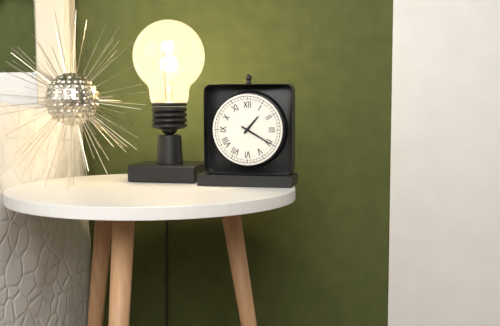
1:20
